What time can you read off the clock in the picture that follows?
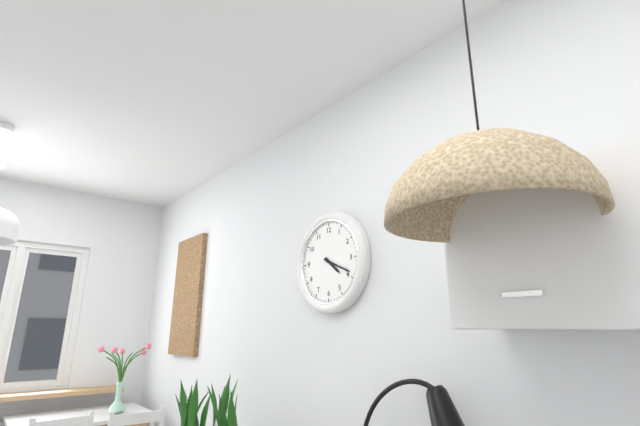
4:19
